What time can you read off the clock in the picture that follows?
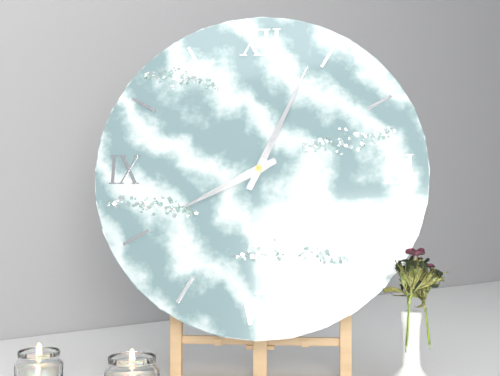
8:04
